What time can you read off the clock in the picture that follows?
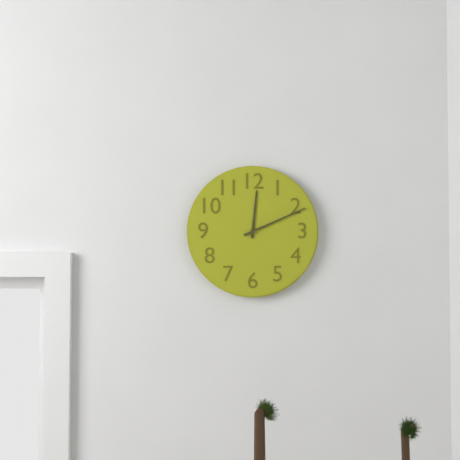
12:11
